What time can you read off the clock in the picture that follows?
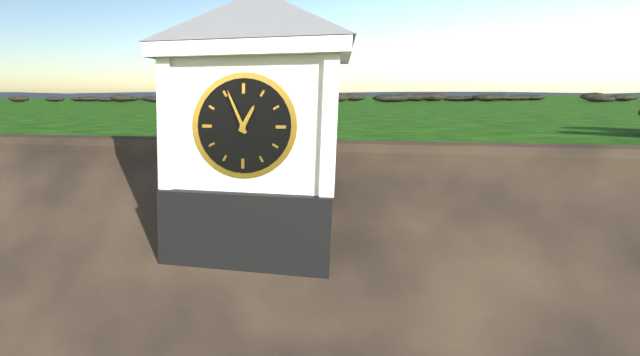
12:56
